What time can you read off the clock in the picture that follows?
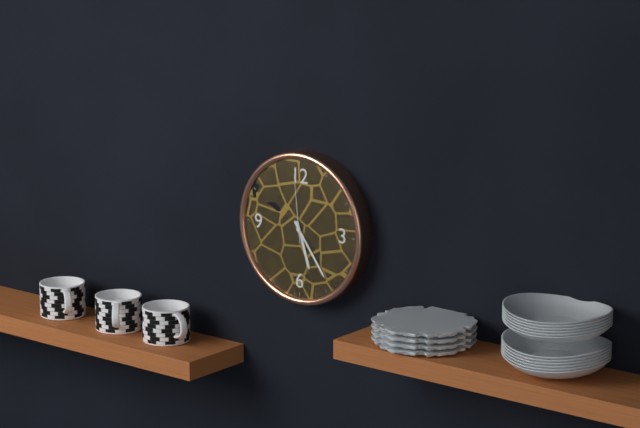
5:24:59
